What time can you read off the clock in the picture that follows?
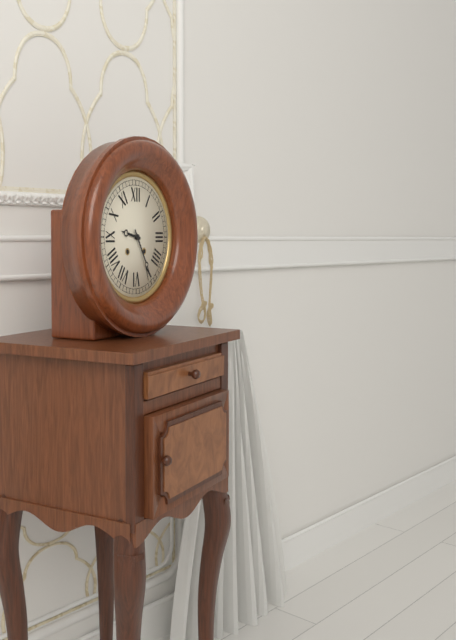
9:25
